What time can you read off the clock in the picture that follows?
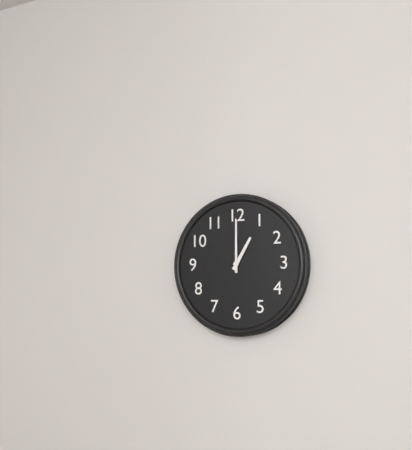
1:00
